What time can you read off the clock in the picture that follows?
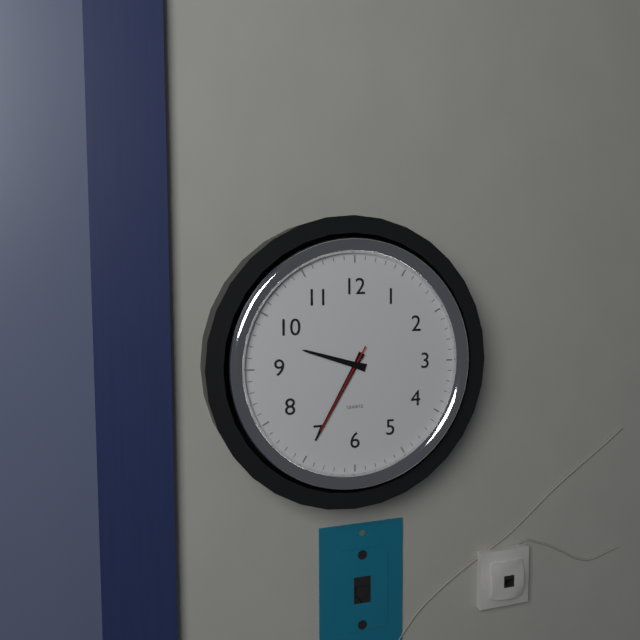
9:35:35
